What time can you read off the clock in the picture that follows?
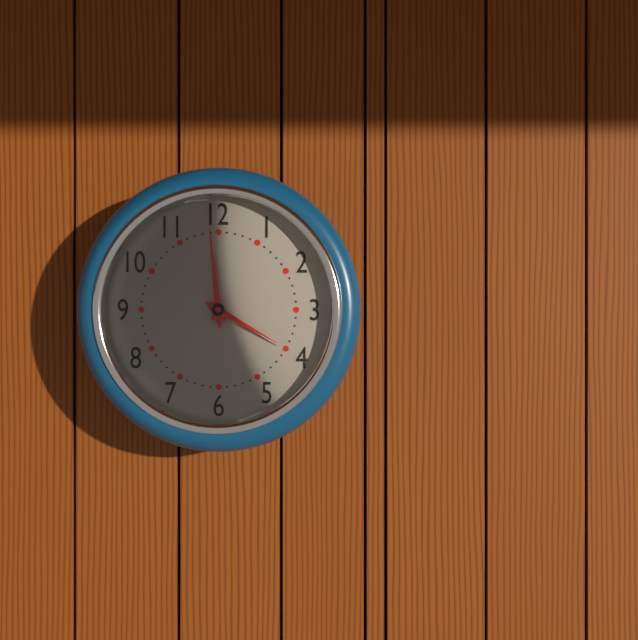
3:59
